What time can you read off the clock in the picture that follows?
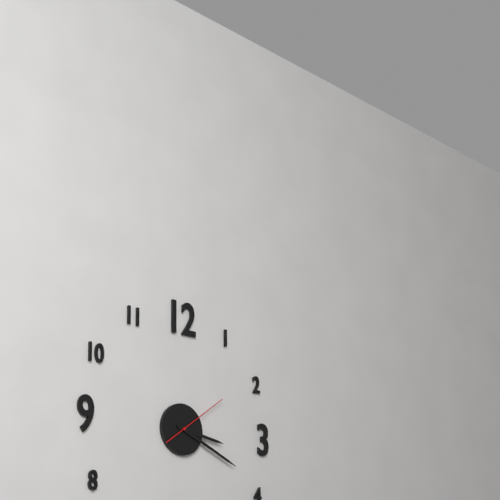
3:19:09
